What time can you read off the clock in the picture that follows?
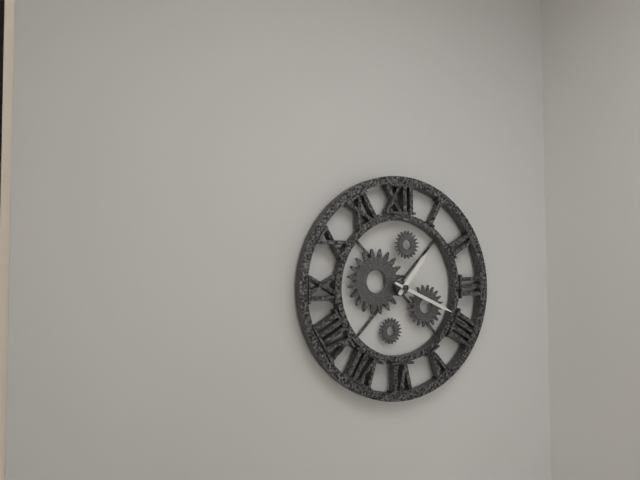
1:19
